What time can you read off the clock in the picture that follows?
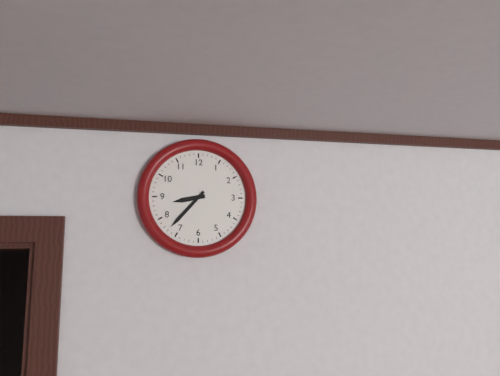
8:37
